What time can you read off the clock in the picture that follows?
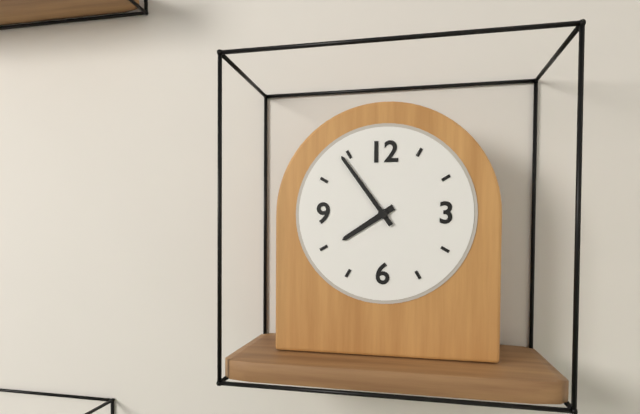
7:54
